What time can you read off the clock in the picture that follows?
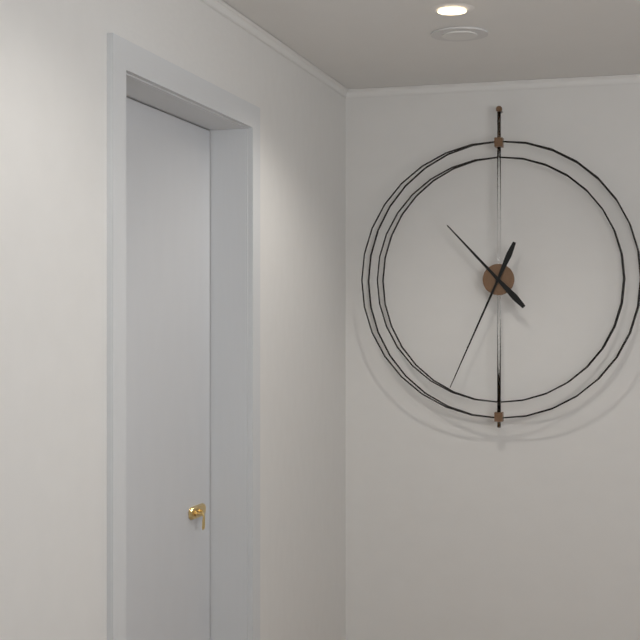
10:34
